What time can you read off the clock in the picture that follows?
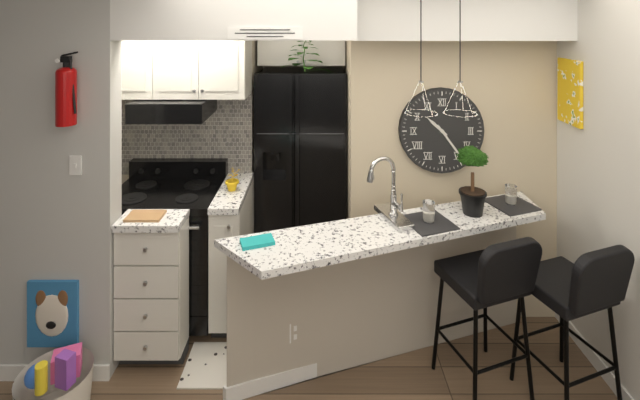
10:24
